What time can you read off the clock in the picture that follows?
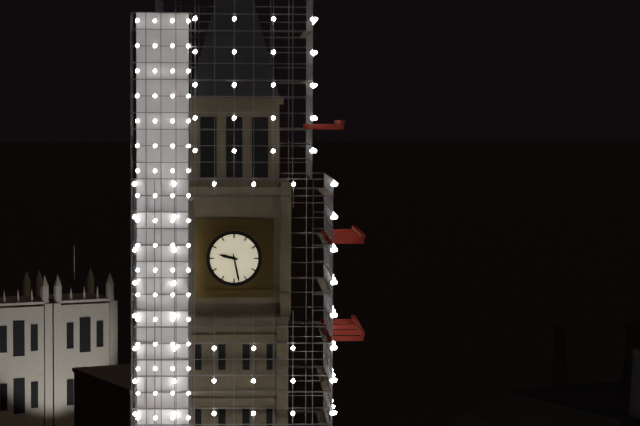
9:28
